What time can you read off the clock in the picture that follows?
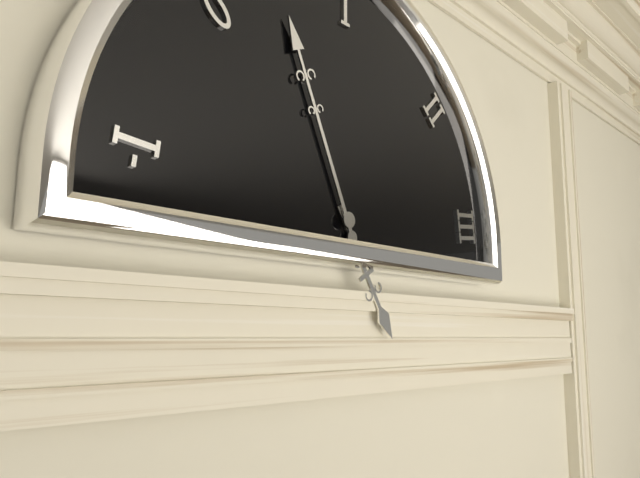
4:56
